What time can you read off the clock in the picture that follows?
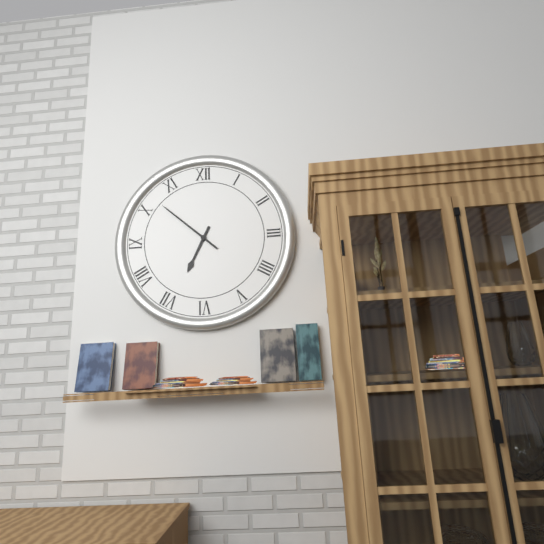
6:52
